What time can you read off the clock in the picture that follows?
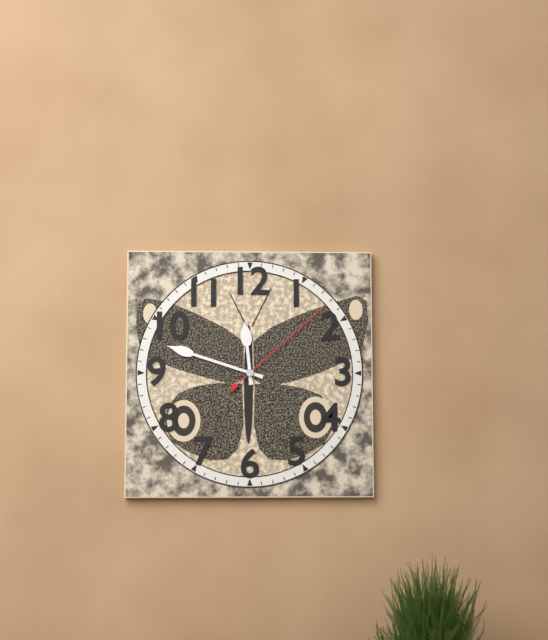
11:48:08
